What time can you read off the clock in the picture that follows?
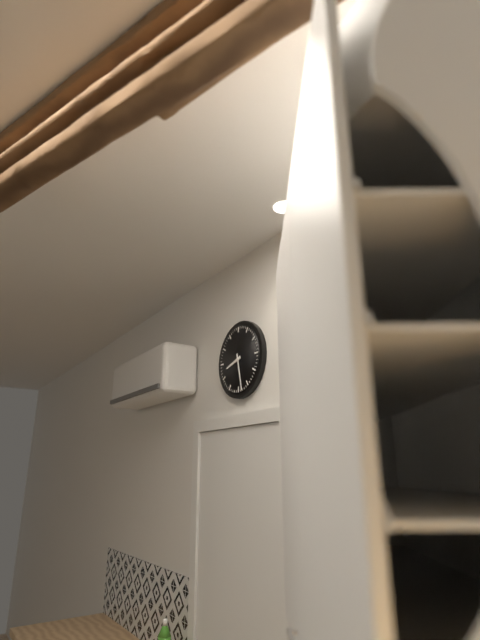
8:28
